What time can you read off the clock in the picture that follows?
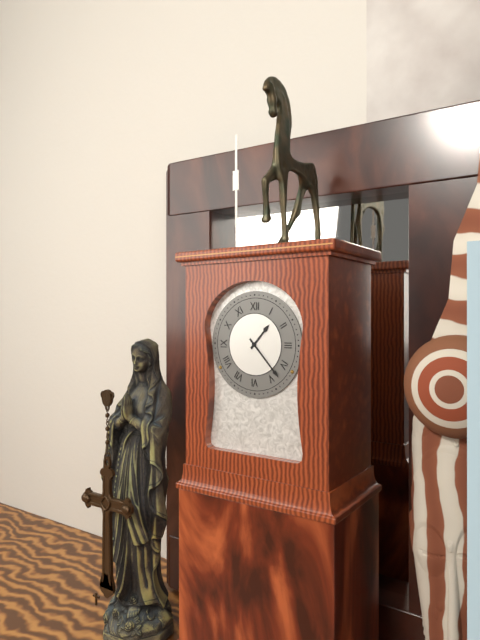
1:23
